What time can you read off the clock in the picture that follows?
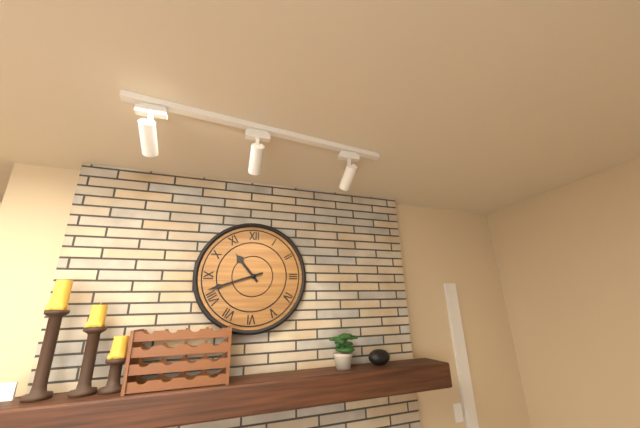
10:42
